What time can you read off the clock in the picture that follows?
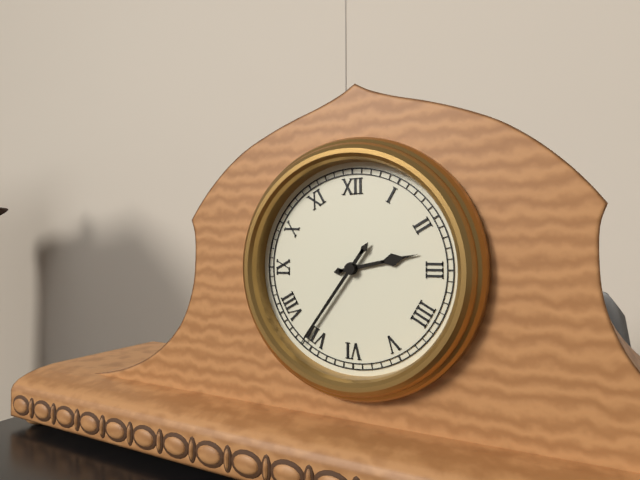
2:36
